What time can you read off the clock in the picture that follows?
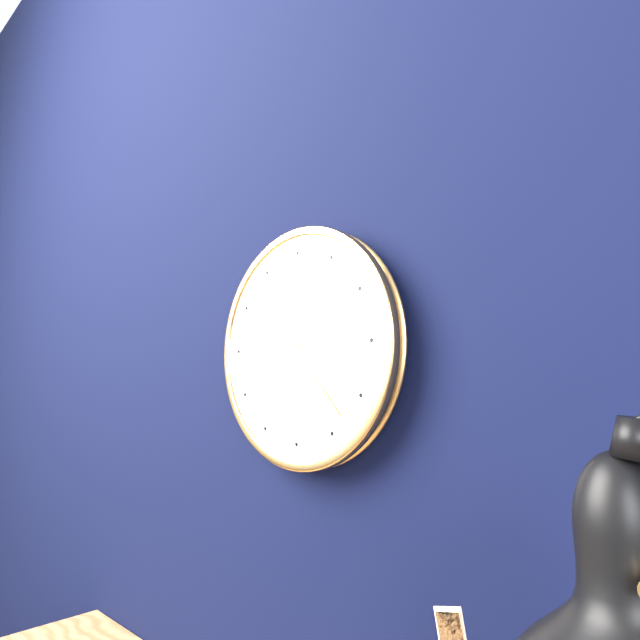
9:23
